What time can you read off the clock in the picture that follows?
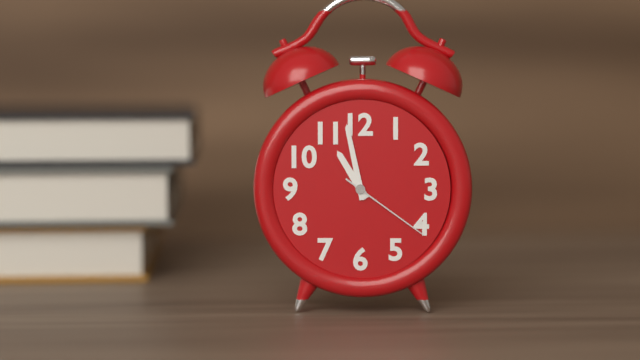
10:58:21
